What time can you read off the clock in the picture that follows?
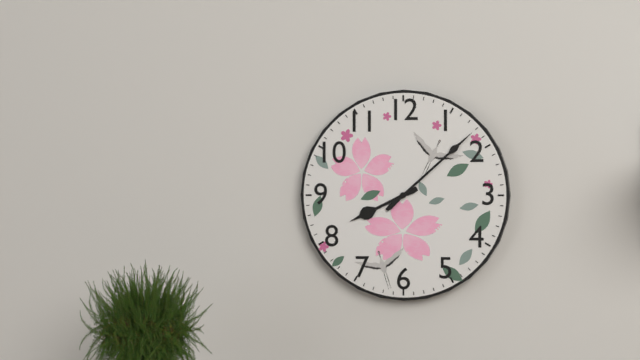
8:08
